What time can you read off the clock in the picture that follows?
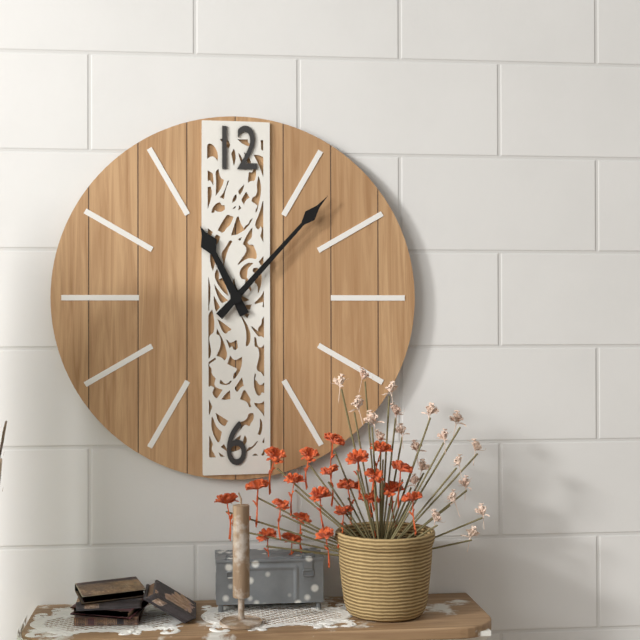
11:07
